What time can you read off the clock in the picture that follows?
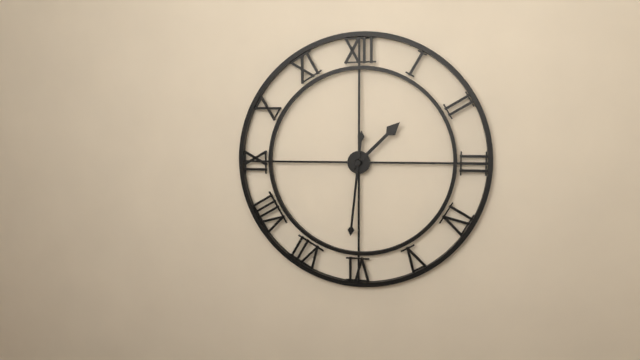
1:31
